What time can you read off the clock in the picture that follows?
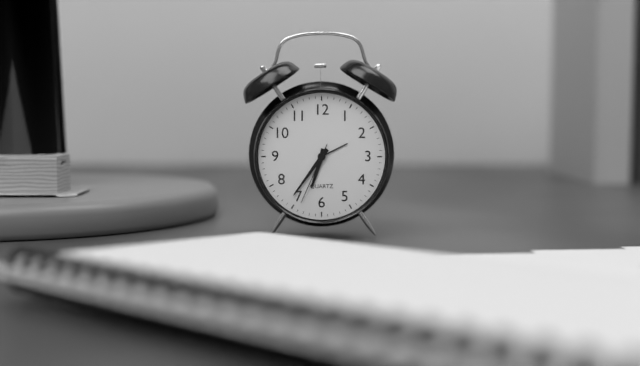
6:36:34
